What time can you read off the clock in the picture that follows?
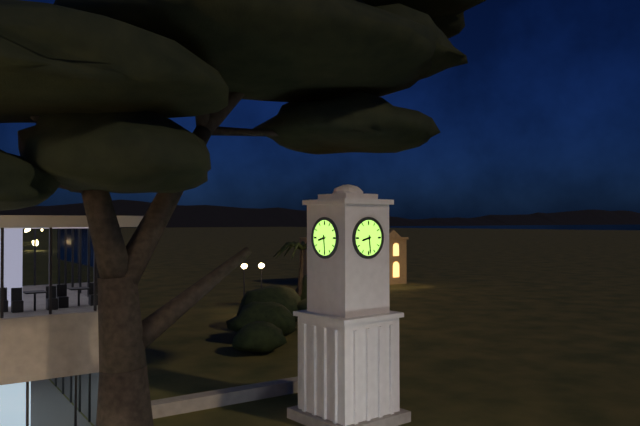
8:29
